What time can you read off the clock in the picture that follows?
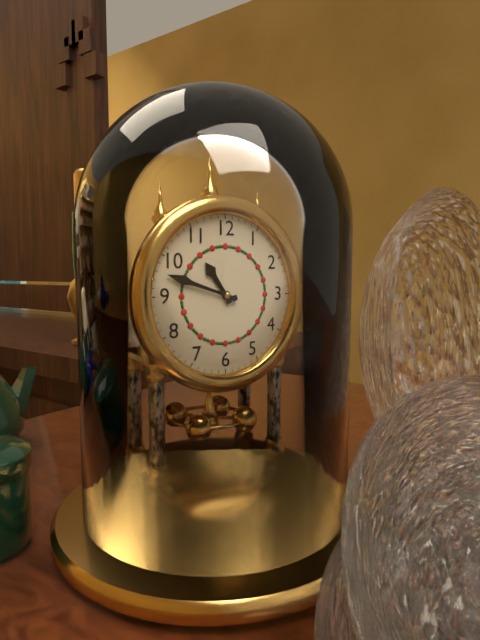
10:48
